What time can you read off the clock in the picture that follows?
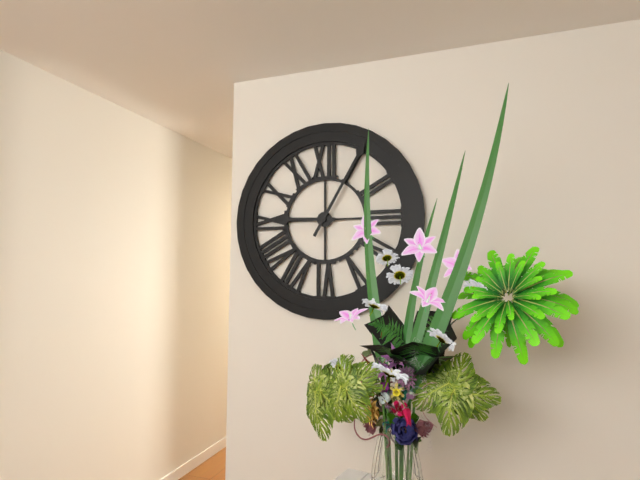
9:05
